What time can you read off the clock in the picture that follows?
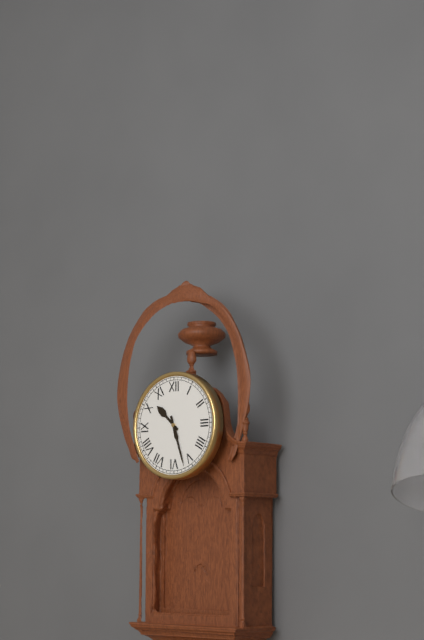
10:27
